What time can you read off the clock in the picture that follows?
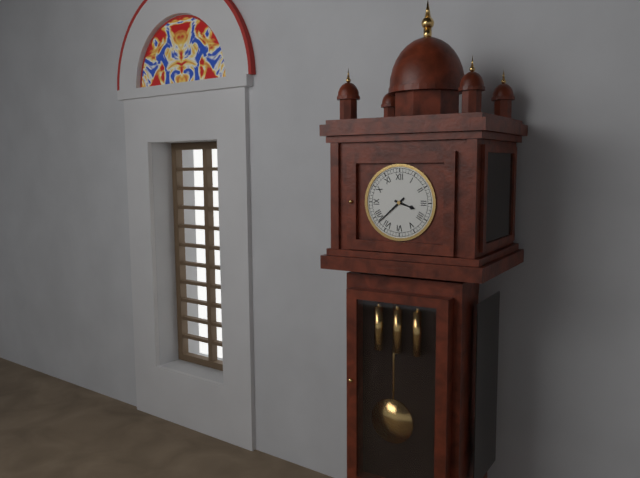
3:38
